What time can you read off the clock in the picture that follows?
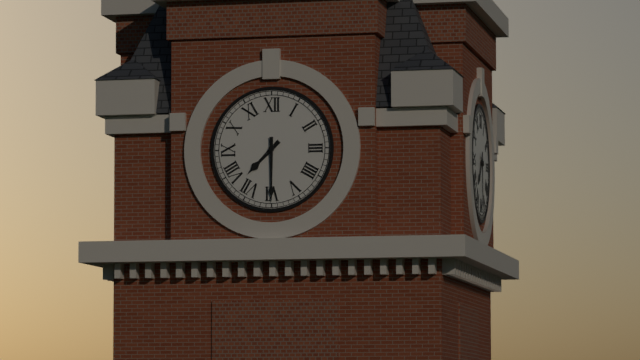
7:30
